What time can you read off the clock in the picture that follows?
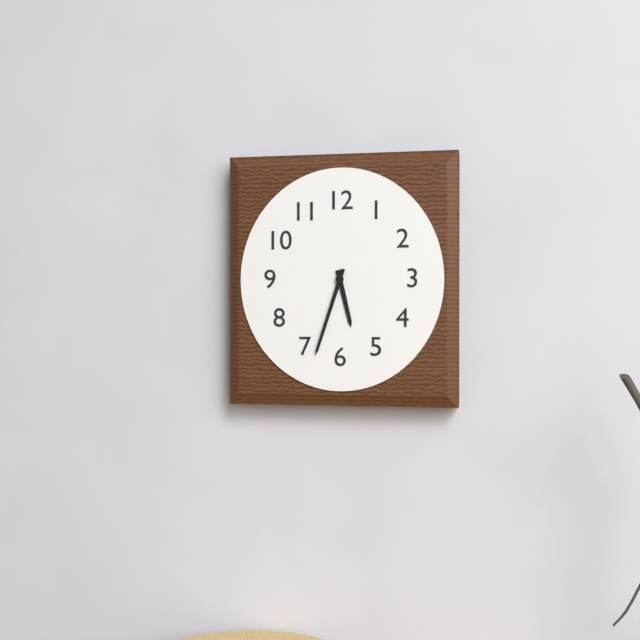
5:33
